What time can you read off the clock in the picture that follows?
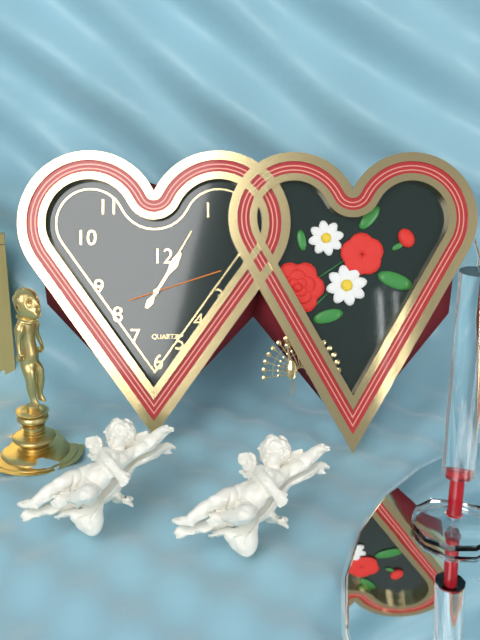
1:05:12
